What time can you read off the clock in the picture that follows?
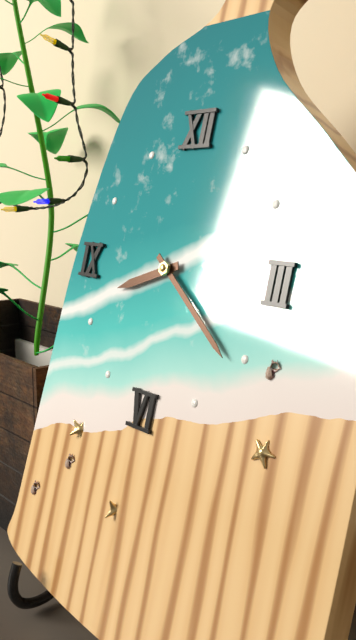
8:21
